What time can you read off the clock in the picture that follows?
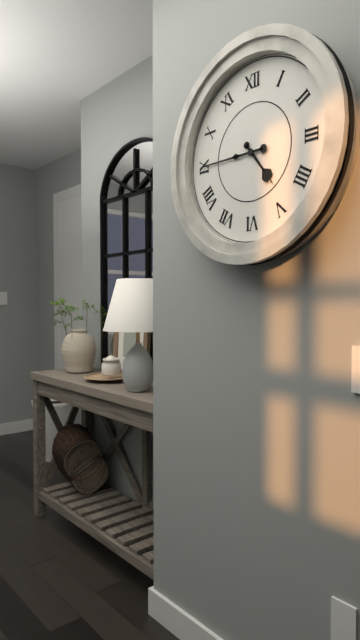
4:45
